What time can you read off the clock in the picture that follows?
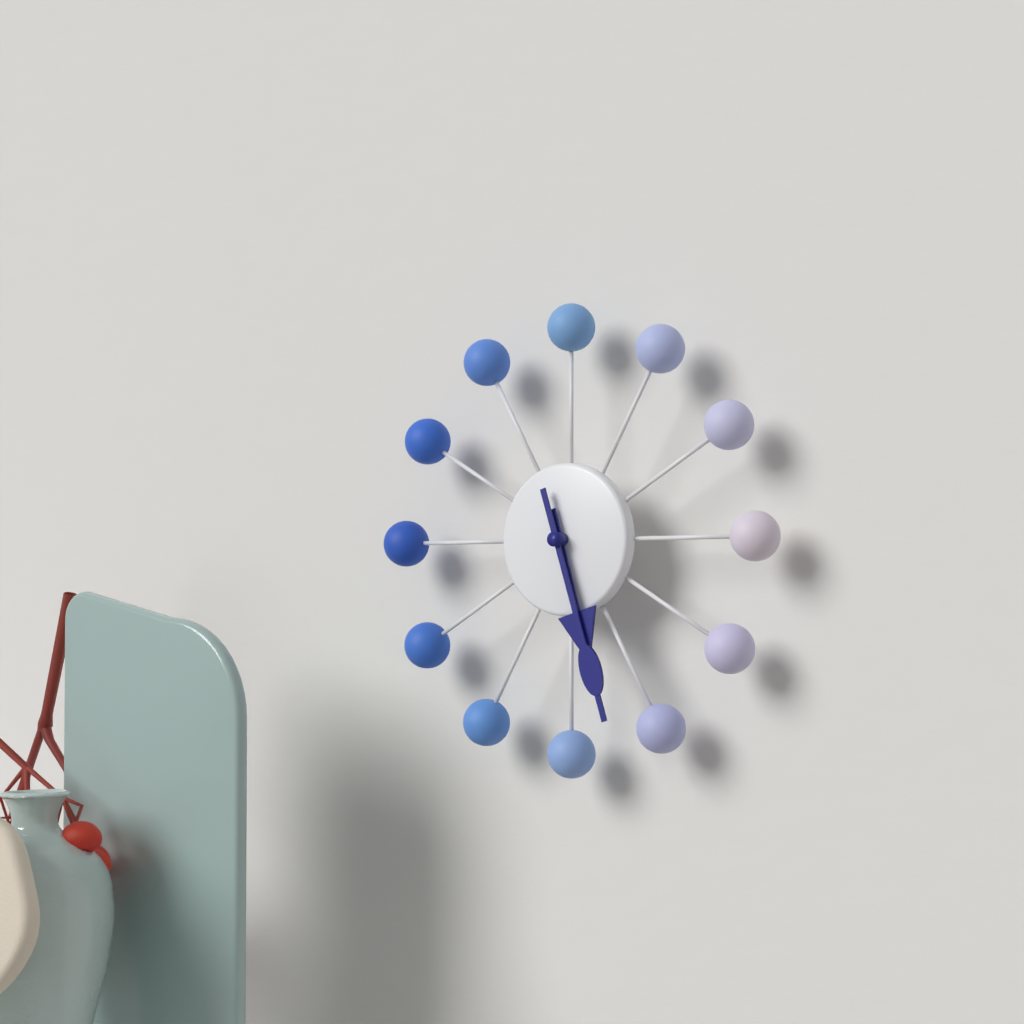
5:27
